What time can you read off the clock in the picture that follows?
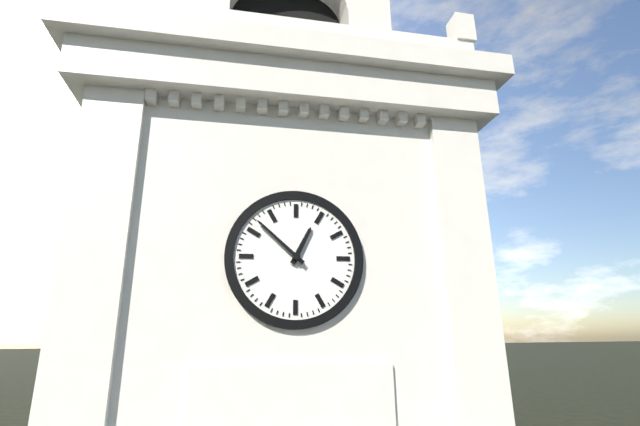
12:52
